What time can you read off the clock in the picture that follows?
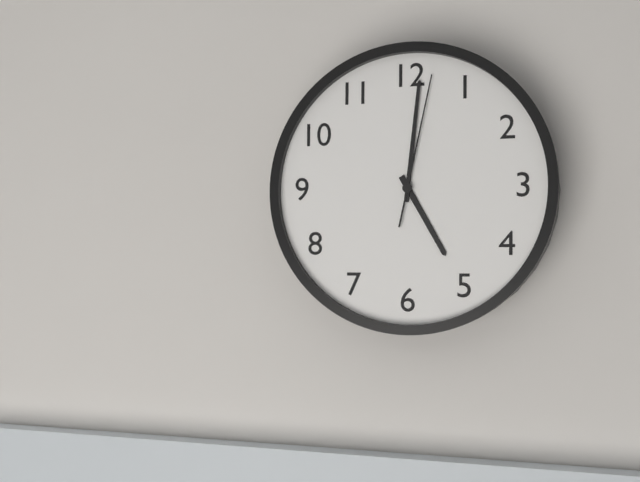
5:01:02
